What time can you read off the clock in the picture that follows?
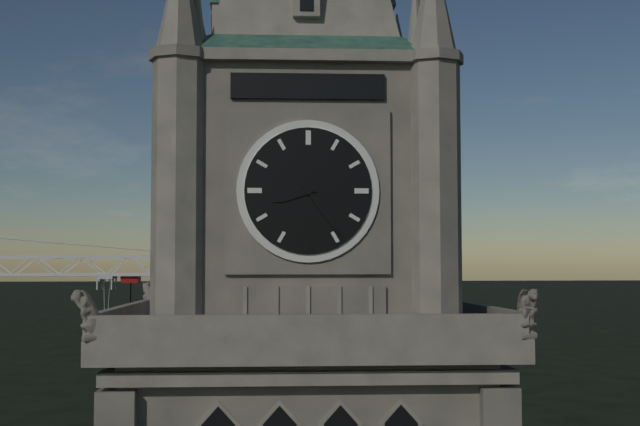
8:24
